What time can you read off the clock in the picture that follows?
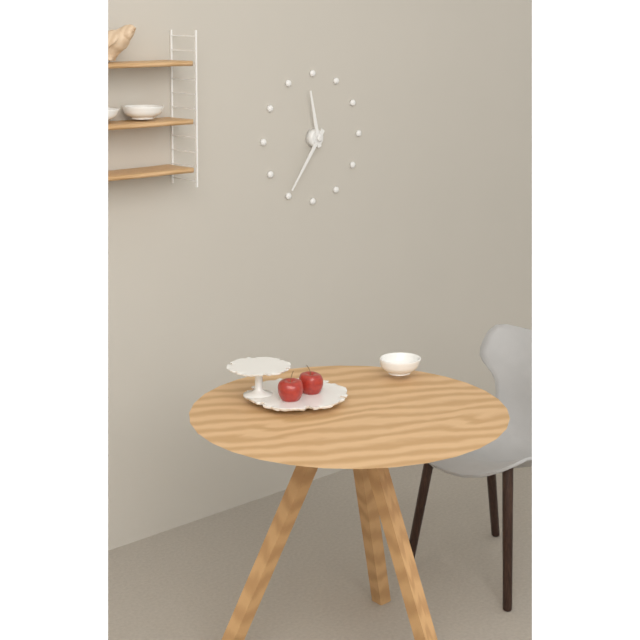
11:36
